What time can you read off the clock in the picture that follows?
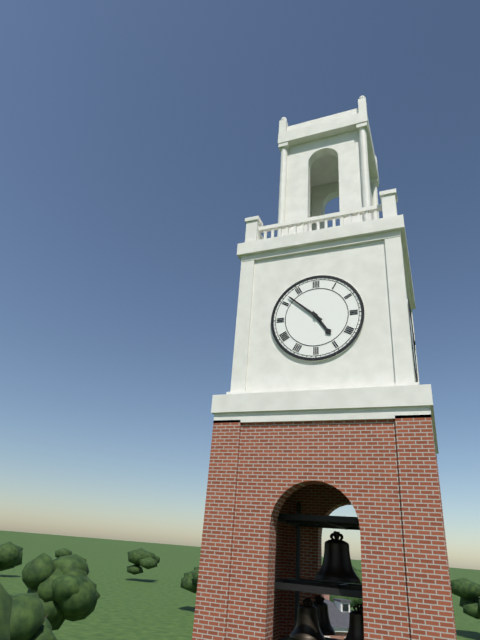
4:52
